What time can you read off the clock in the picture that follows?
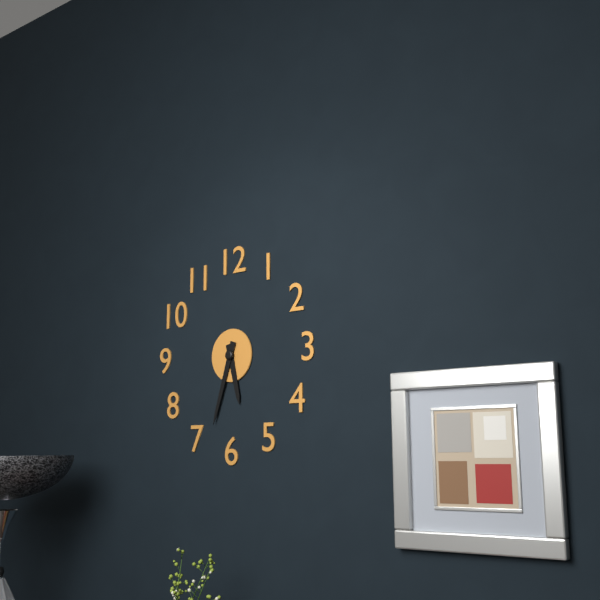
5:33
